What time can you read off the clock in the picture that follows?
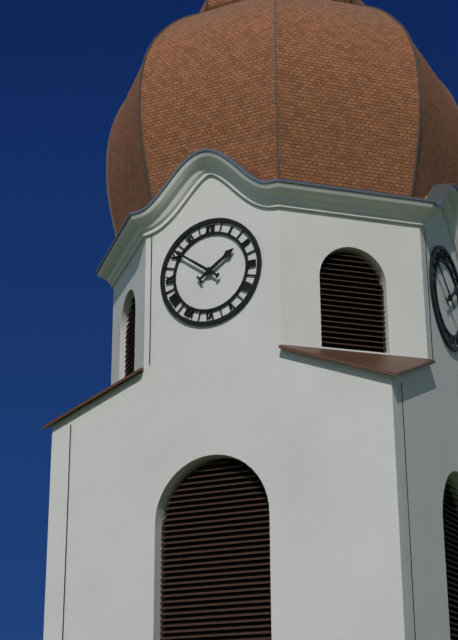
1:51
